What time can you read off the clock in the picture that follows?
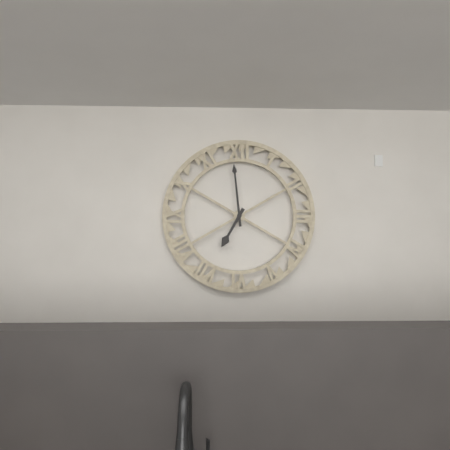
6:59
